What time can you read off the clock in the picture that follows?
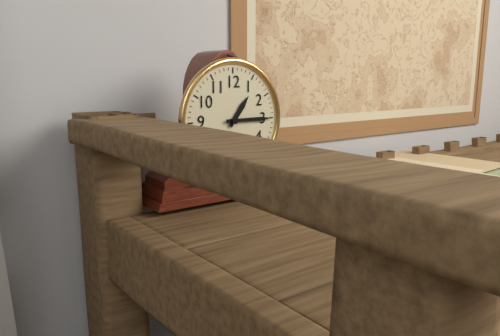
1:15
